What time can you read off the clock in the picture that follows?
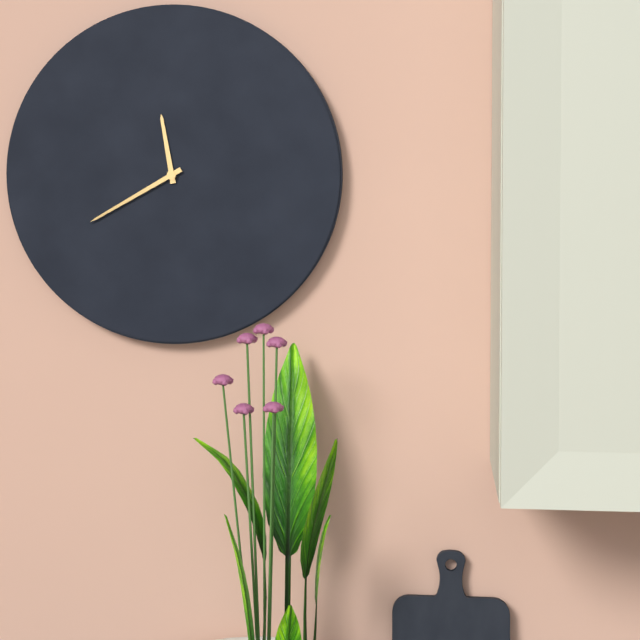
11:40
